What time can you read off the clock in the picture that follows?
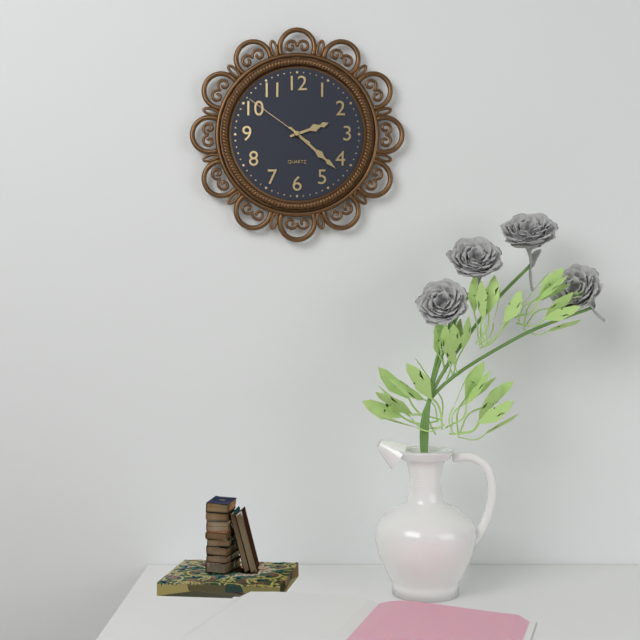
2:22:51
